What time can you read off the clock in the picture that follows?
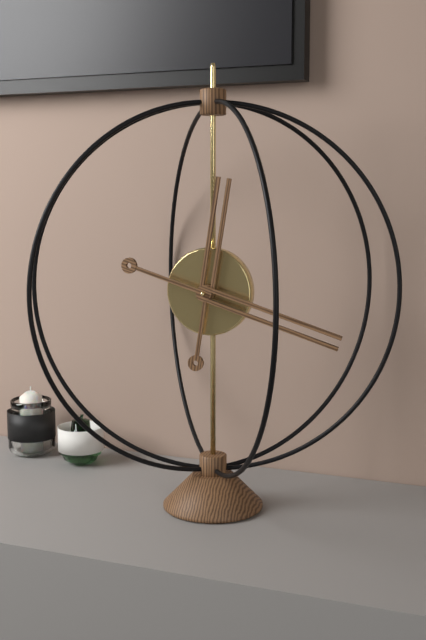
12:18
